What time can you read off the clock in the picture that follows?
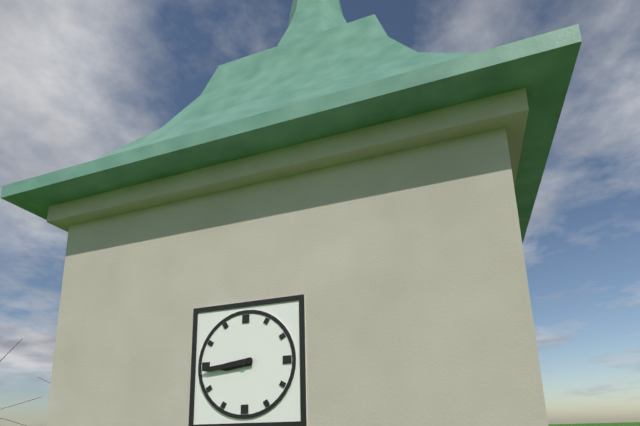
8:44
